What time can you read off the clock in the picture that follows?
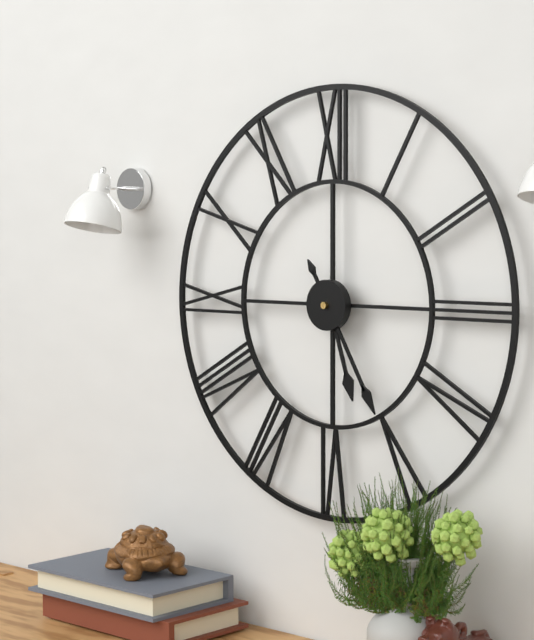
5:25
